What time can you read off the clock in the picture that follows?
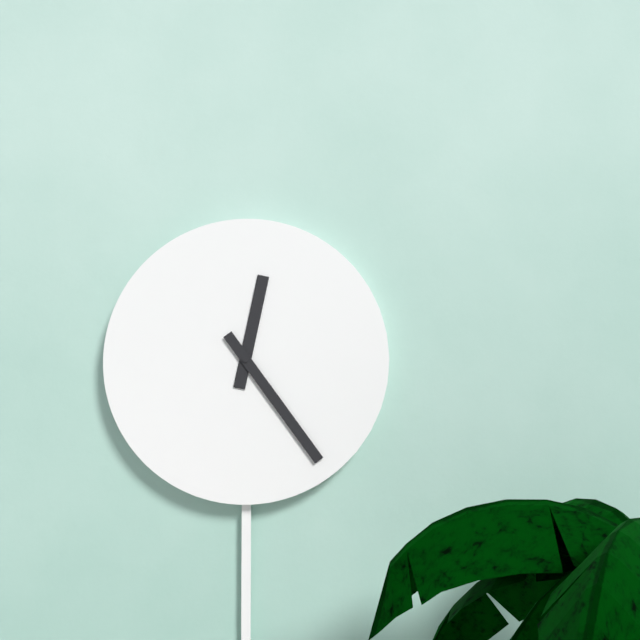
12:24
